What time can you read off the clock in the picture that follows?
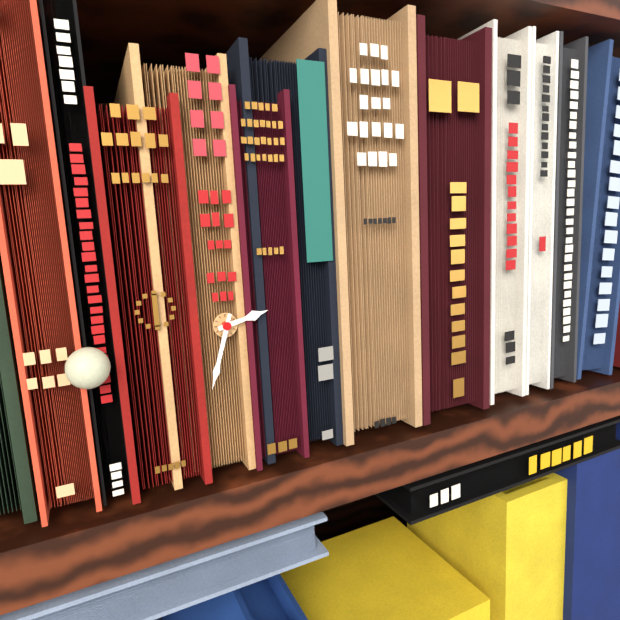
2:33
